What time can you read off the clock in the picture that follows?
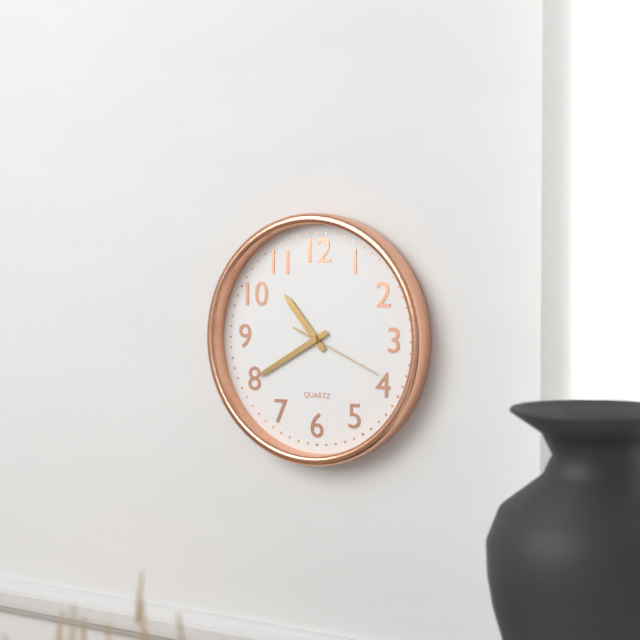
10:40:19
